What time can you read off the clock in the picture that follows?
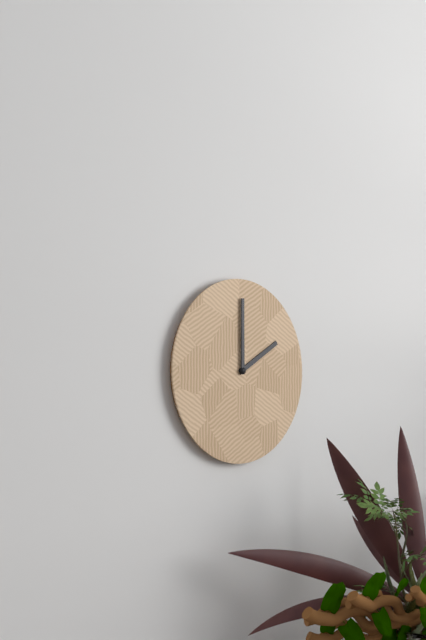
2:00
